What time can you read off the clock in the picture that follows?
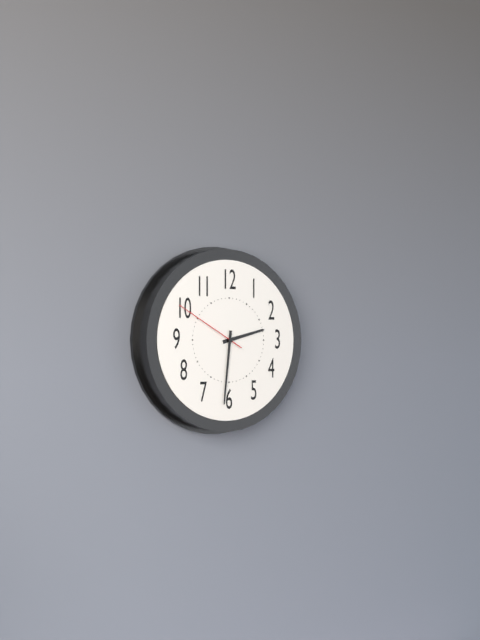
2:31:50
